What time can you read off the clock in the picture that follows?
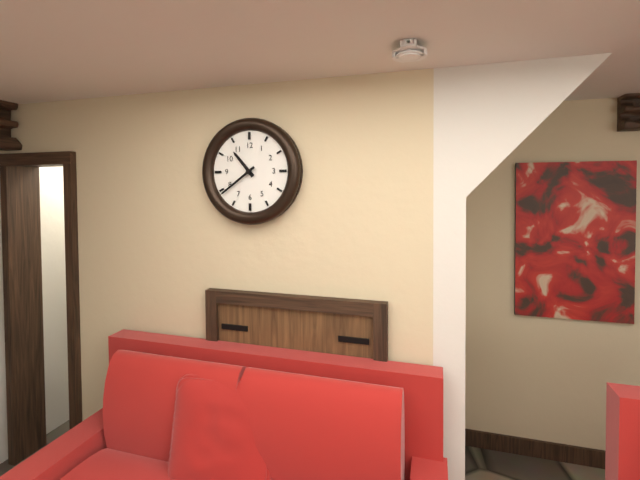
10:39
